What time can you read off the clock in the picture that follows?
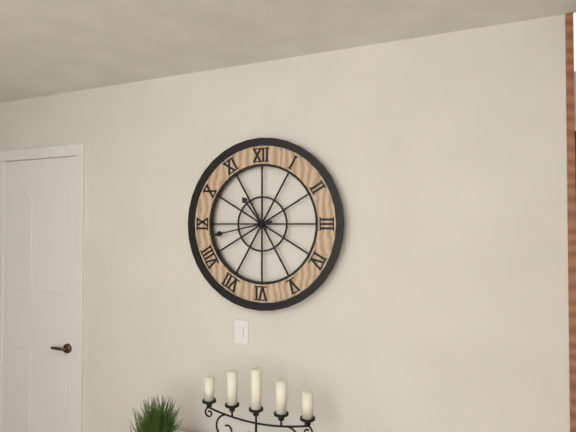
10:43
